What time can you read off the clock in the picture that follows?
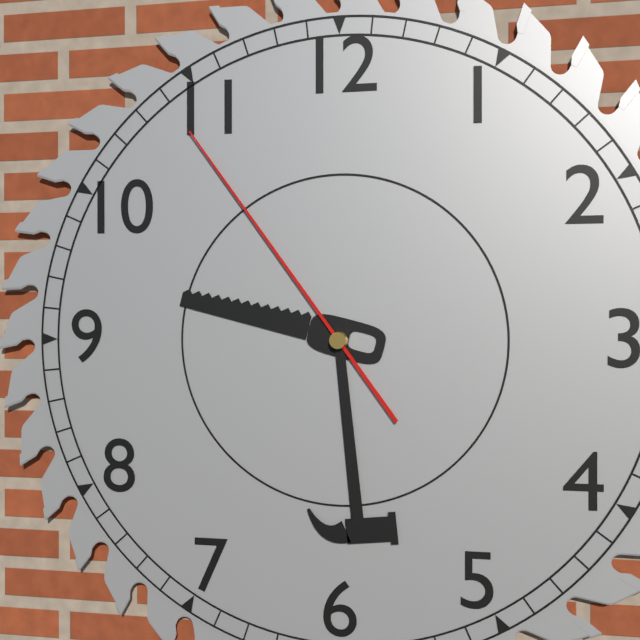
9:29:54
